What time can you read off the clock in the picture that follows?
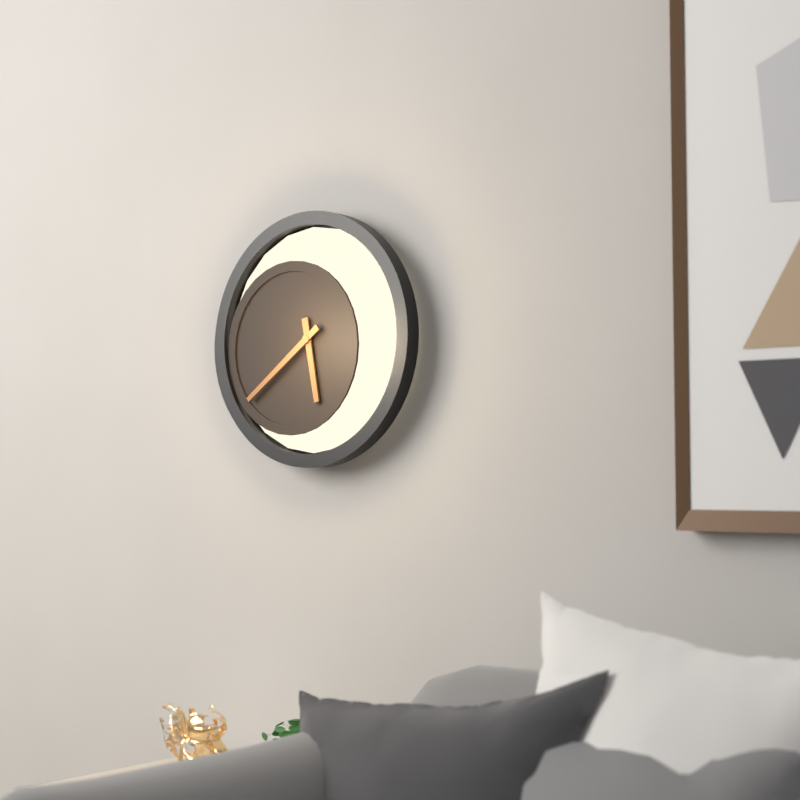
5:39
